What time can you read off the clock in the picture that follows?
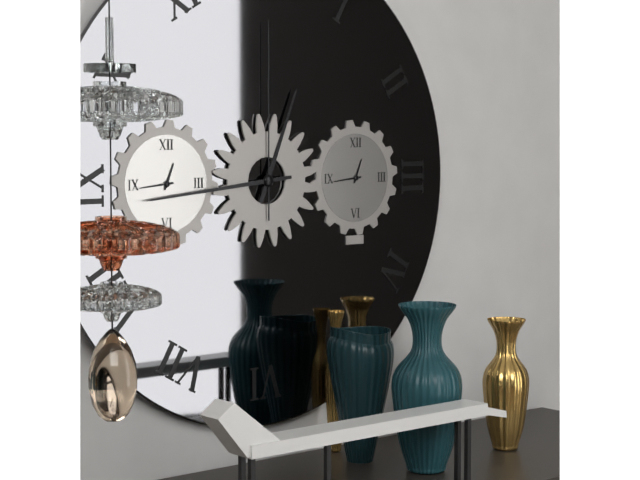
12:44:00
